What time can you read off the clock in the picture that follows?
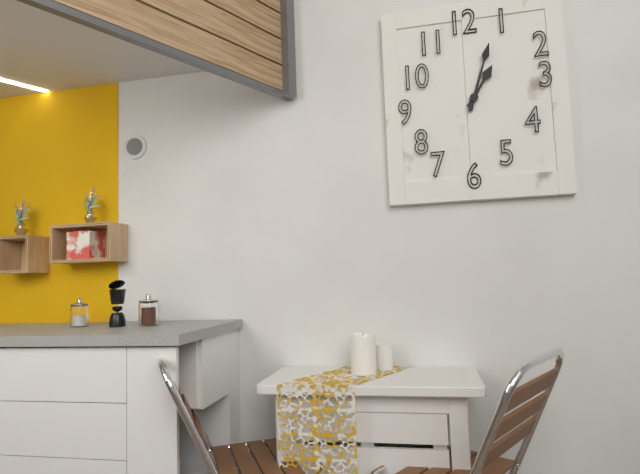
1:03
